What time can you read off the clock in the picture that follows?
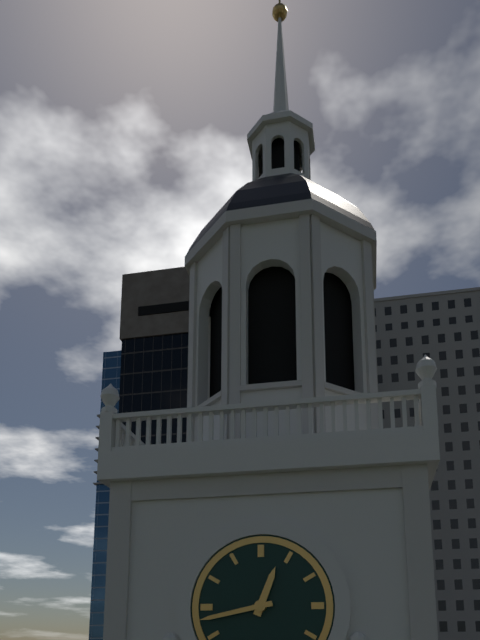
12:43
